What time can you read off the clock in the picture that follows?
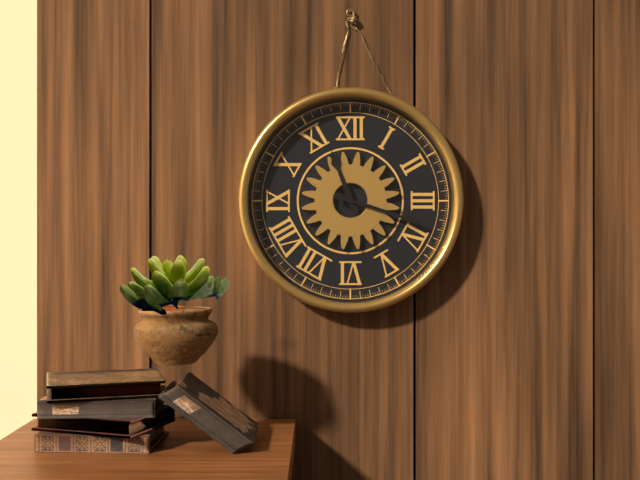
11:18
